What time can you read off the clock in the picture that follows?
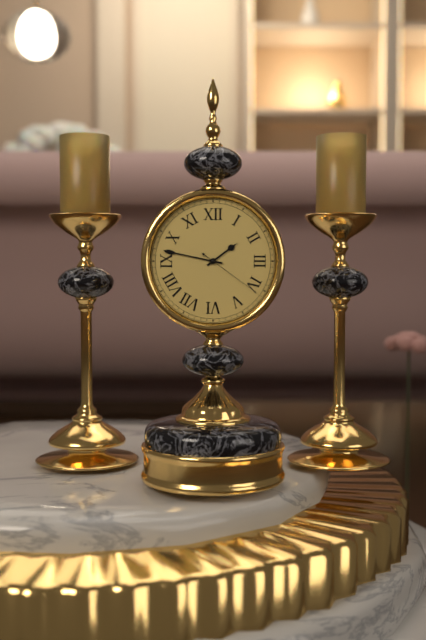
1:47:21
